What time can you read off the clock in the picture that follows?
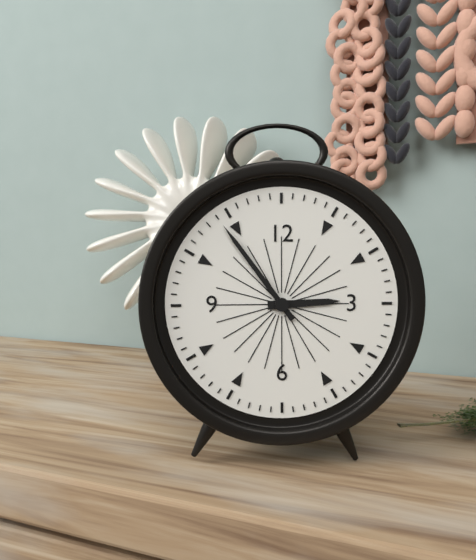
2:54
